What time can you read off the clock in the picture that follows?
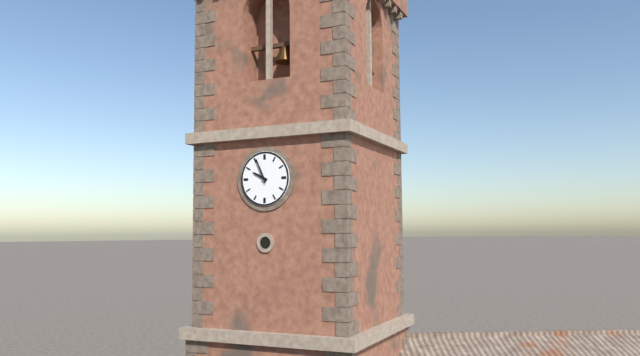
9:56
